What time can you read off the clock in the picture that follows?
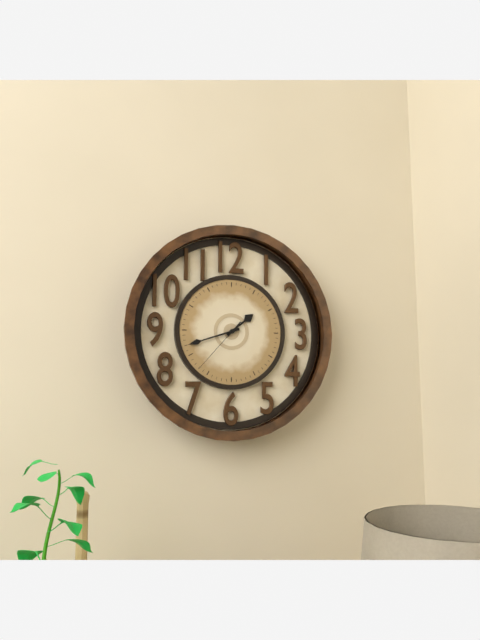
1:42:37
